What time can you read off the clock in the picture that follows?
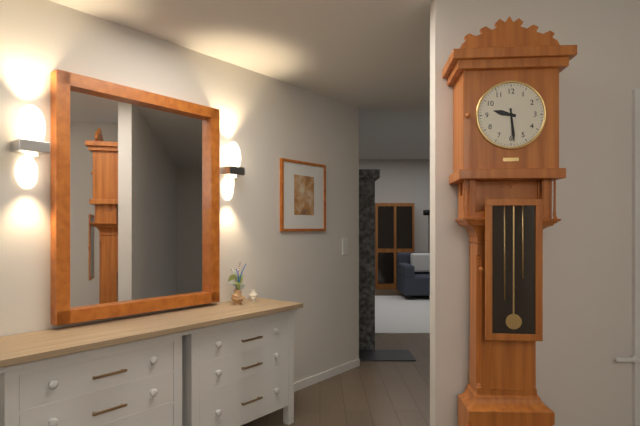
9:29
